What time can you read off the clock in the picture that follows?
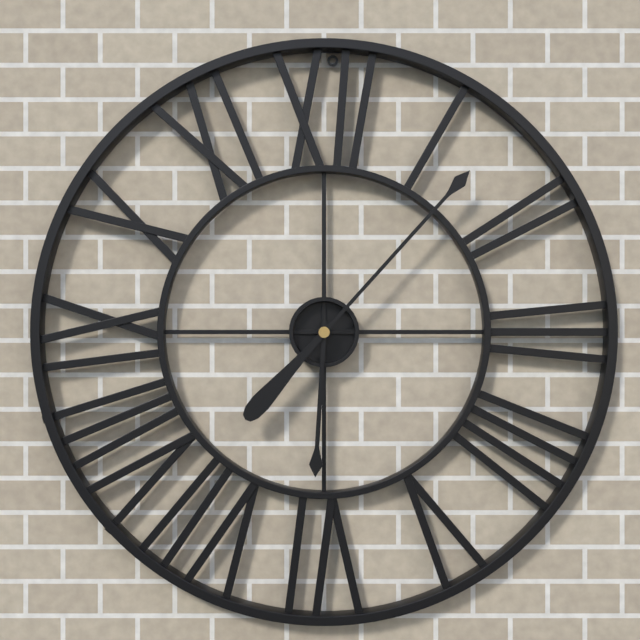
6:07
